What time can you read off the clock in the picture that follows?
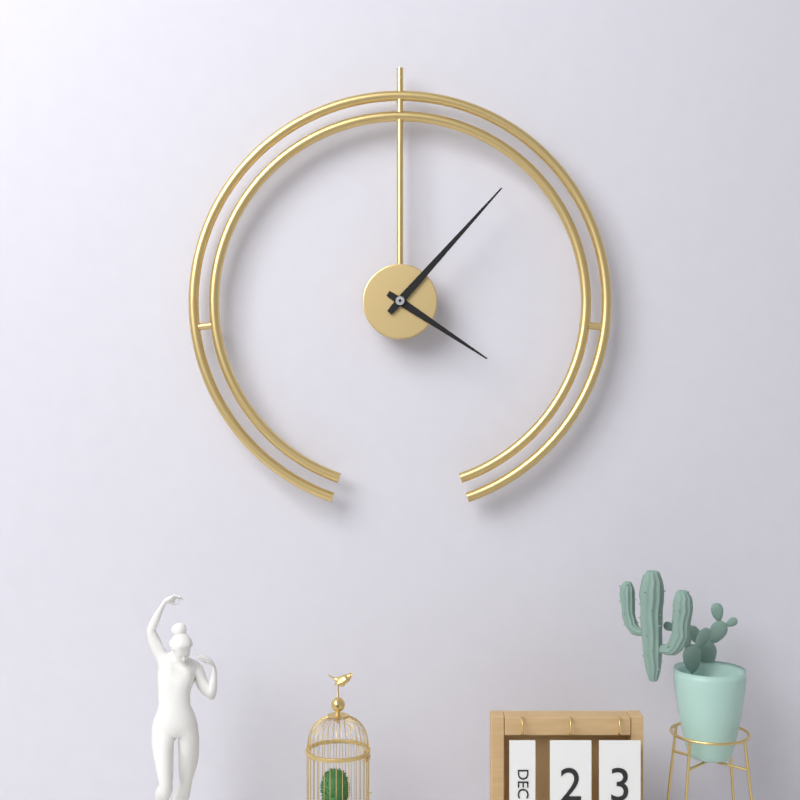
4:07
